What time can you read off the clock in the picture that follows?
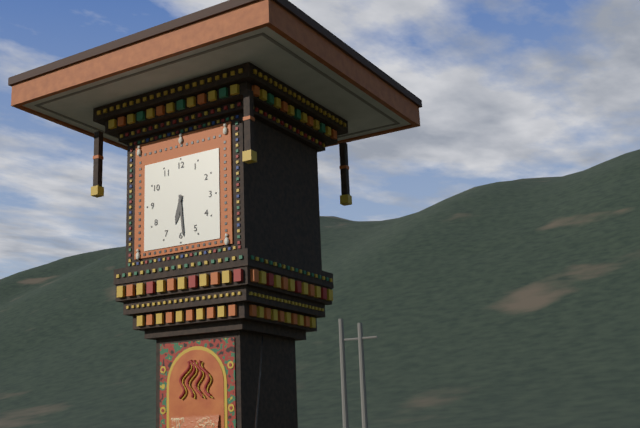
6:29
